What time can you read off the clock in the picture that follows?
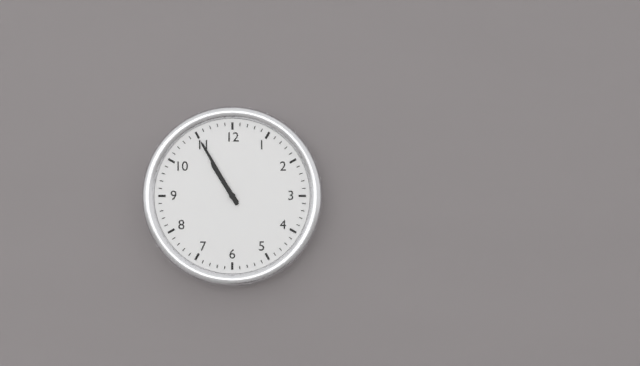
10:55
